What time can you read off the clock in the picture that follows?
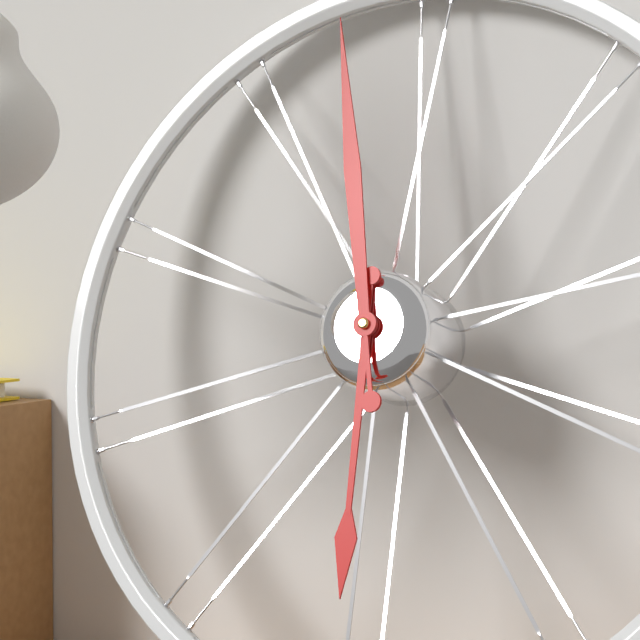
5:58
